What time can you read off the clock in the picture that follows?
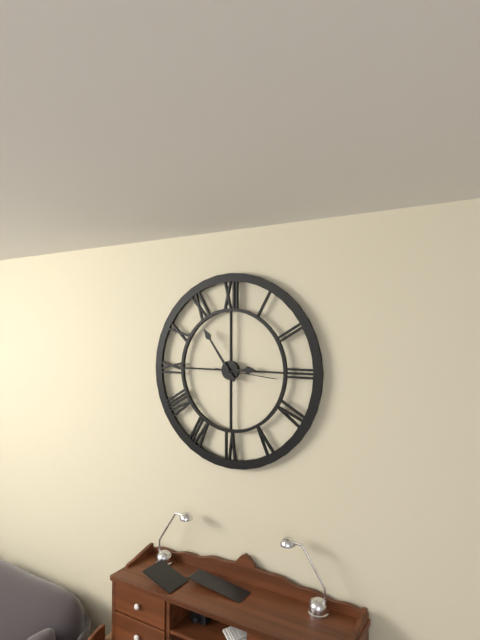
2:54:16
